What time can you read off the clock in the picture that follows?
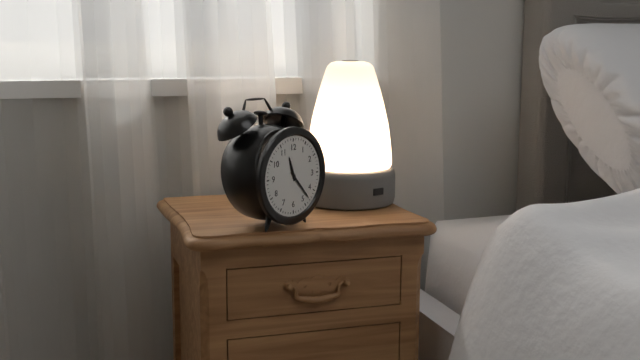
11:23
